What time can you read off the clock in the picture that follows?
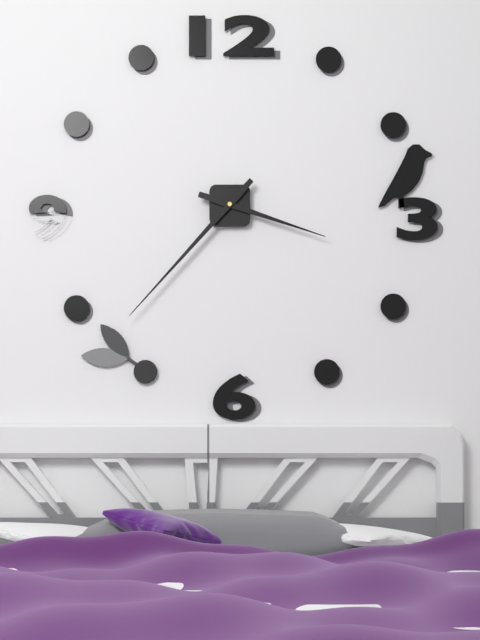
3:37
